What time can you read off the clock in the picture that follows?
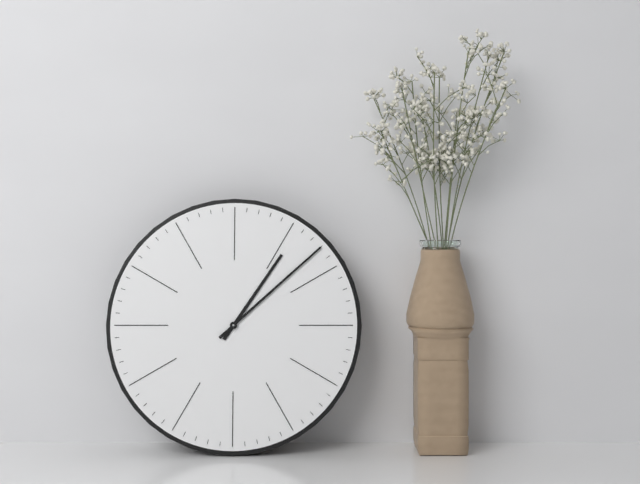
1:08
